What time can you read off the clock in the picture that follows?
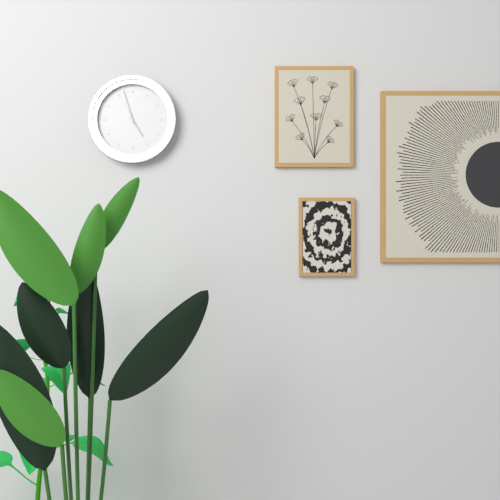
4:57
